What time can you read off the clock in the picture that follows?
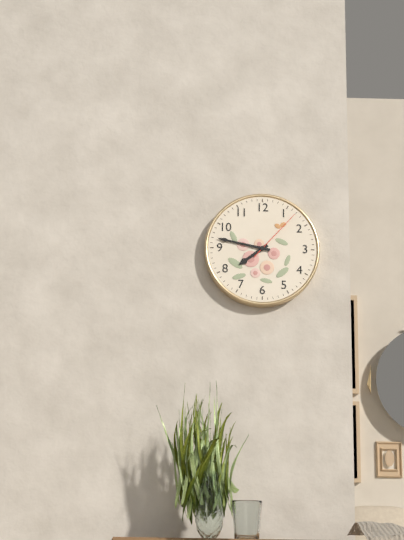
7:47:07
